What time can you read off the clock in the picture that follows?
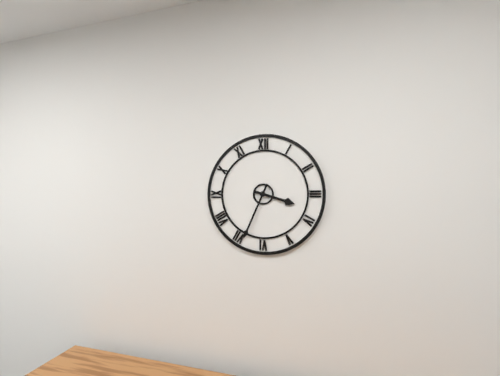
3:34
